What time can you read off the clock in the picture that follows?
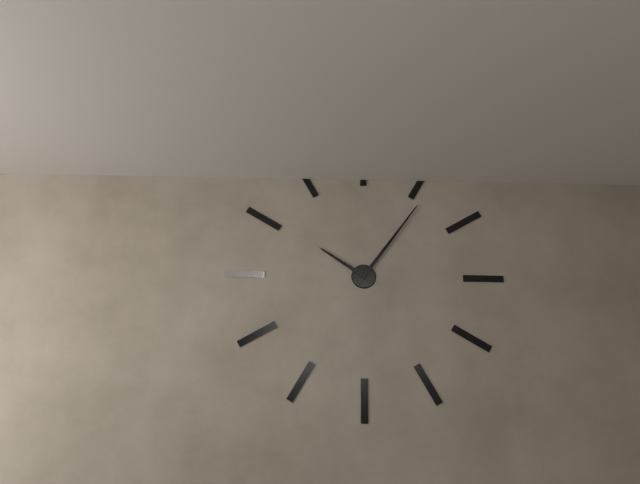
10:06
